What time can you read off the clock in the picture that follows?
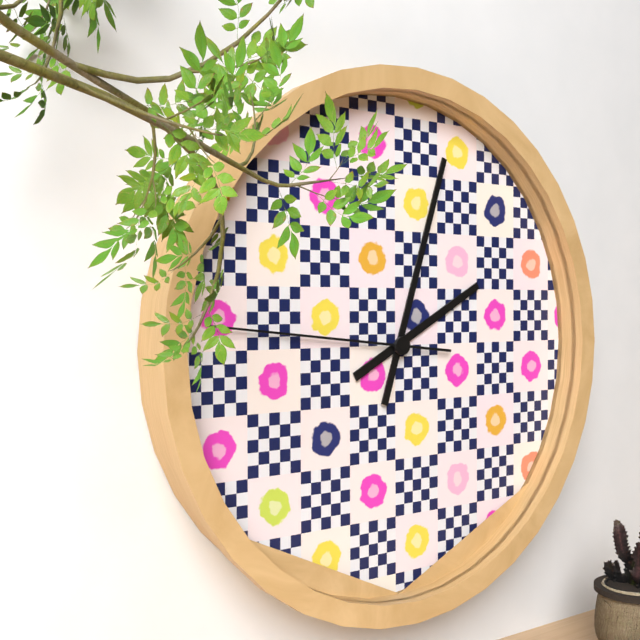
2:03:46
